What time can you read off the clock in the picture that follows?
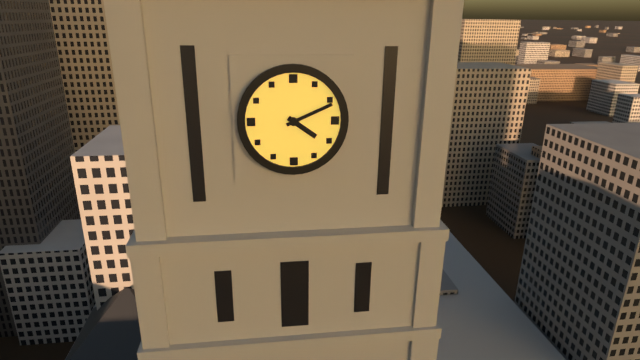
4:11
